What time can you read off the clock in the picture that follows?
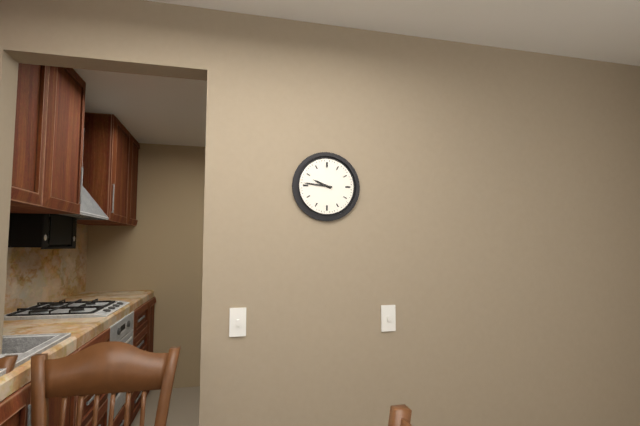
9:46
